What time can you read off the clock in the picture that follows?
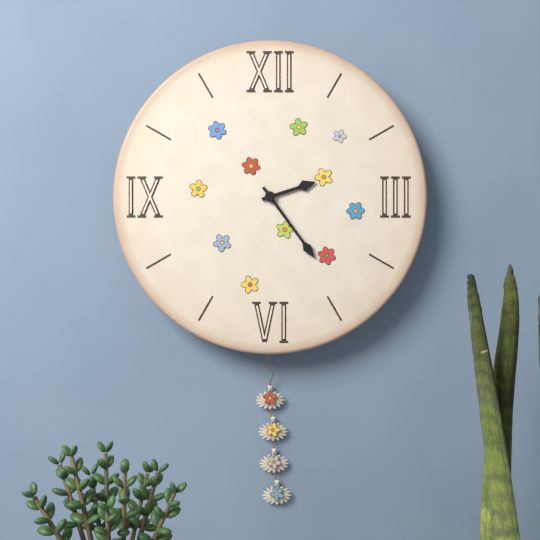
2:24
